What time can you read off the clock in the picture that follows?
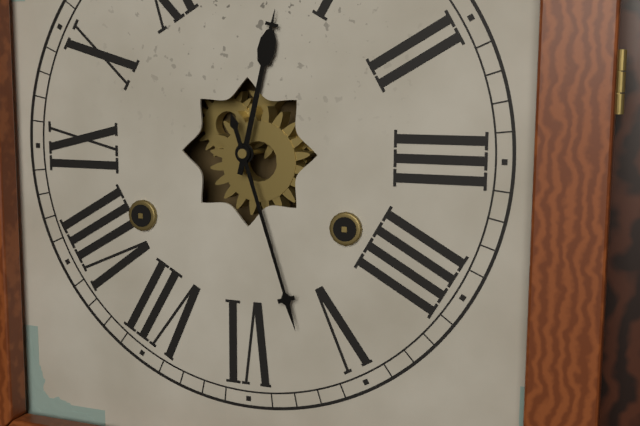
12:27
